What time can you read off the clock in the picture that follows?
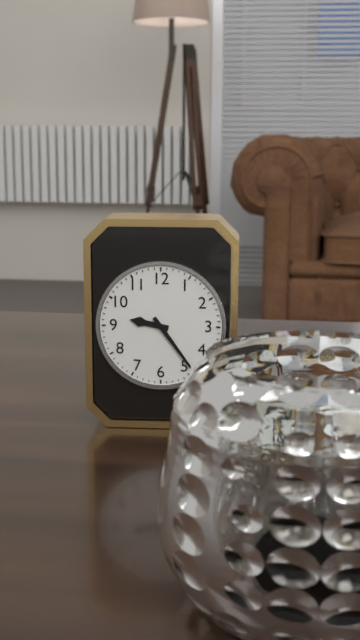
9:24
